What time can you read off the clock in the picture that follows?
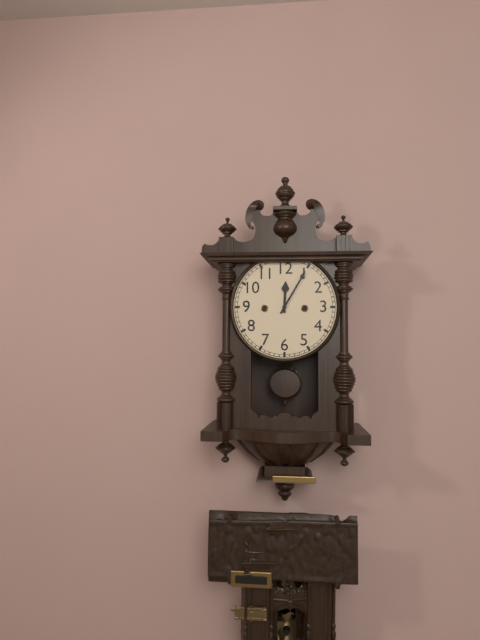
12:05
